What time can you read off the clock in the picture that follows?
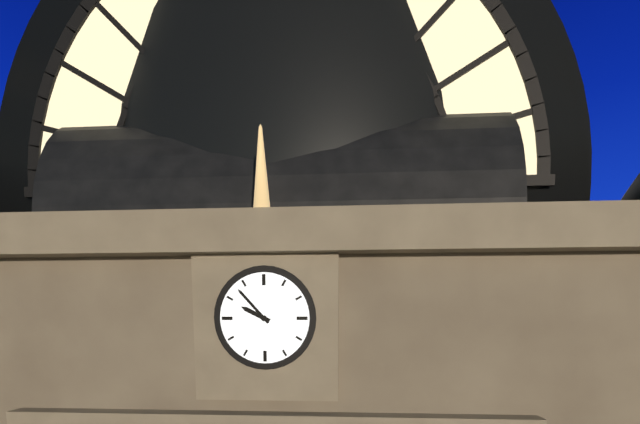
9:53
